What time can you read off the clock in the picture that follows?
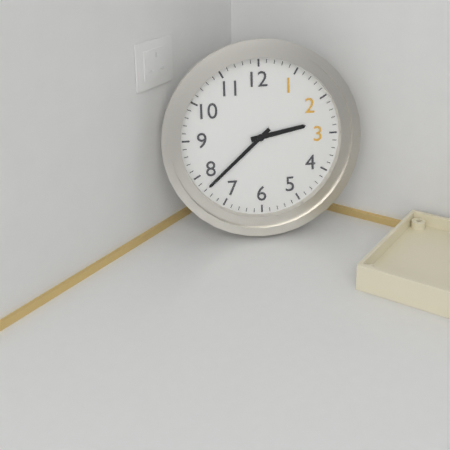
2:38
